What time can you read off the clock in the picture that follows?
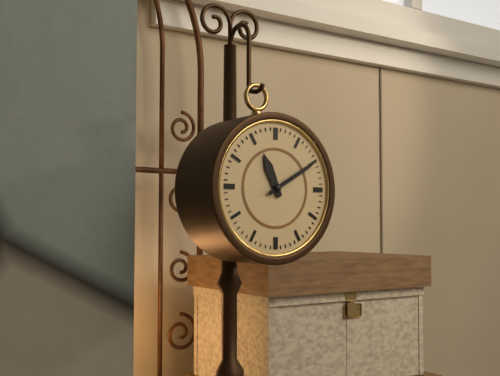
11:10
